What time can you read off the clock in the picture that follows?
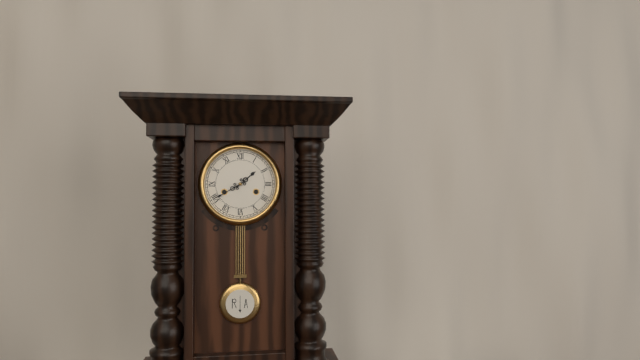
1:40
